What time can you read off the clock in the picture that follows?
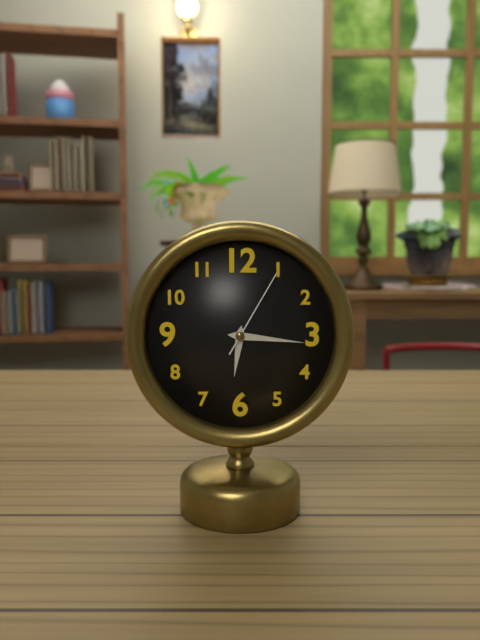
6:16:05
